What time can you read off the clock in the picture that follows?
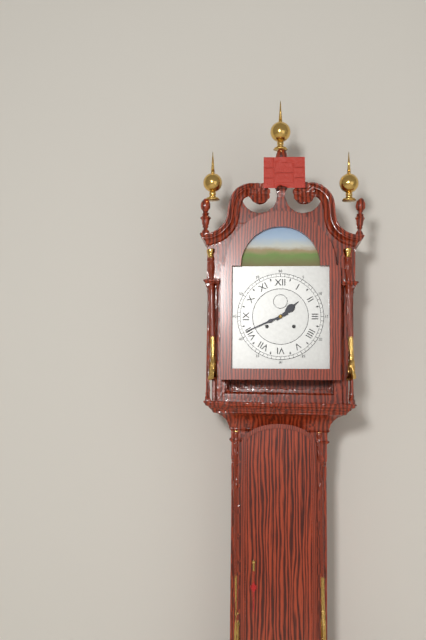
1:41
